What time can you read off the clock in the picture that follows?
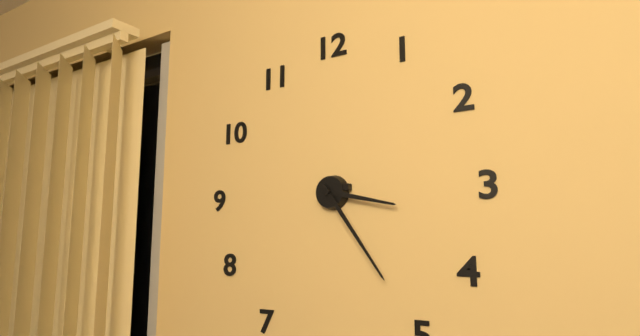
3:24
